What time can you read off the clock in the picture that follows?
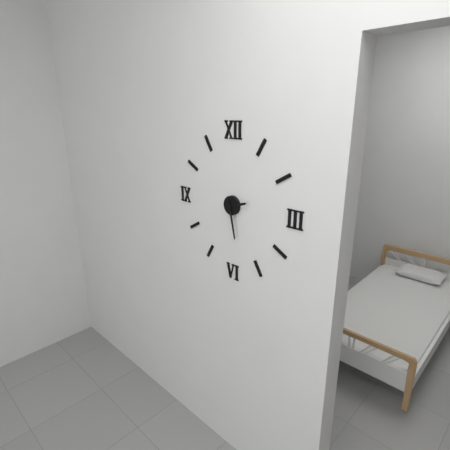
2:28
